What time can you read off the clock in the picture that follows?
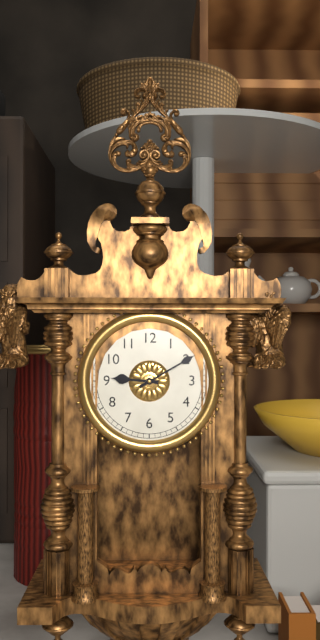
9:10
